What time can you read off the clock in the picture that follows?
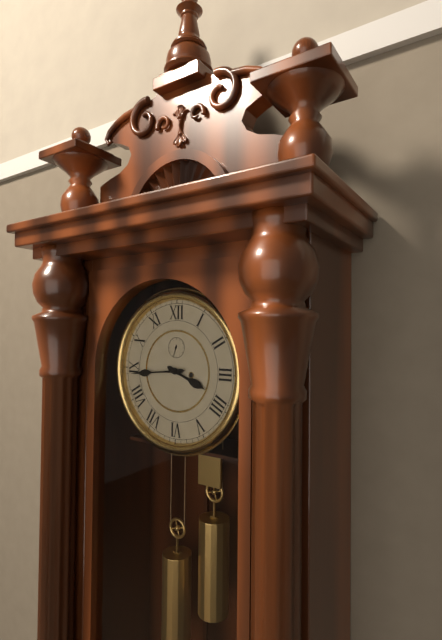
3:44
